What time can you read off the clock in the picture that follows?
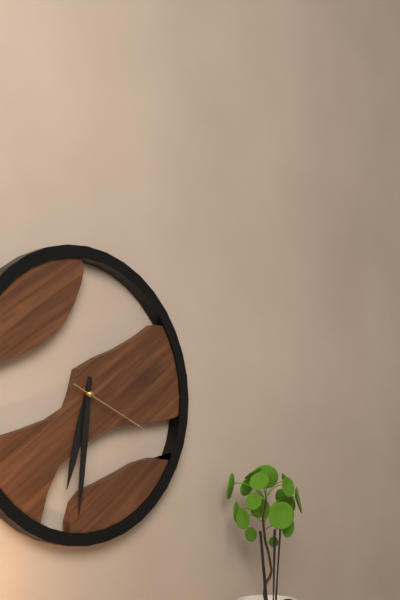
6:31:19
